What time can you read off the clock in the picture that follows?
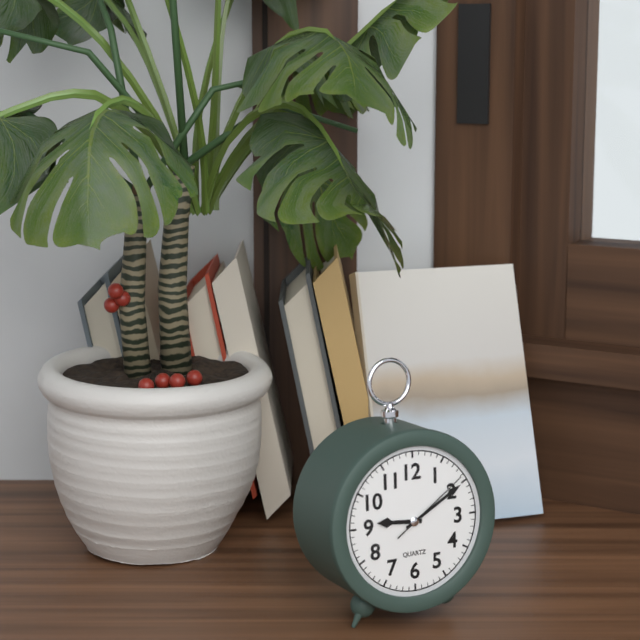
9:10:09
